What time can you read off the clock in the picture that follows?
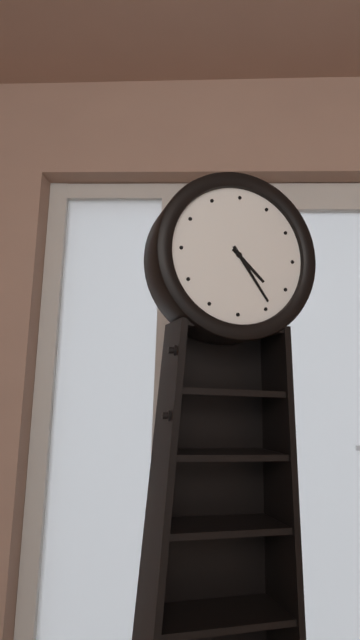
4:24
